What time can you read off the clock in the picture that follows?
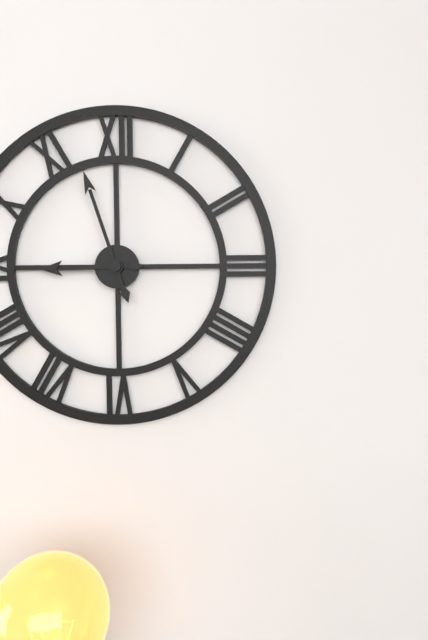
8:57
